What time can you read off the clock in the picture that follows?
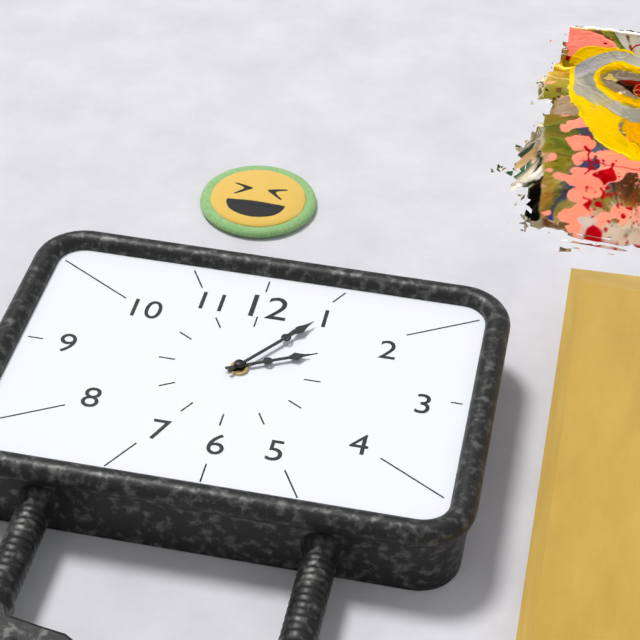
2:06
